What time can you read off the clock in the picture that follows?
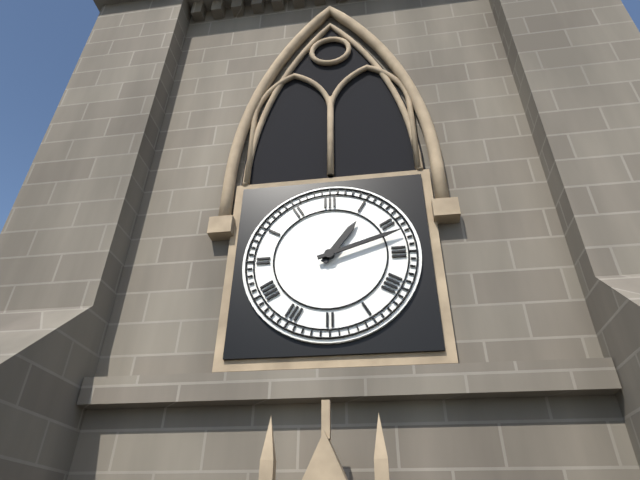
1:12
